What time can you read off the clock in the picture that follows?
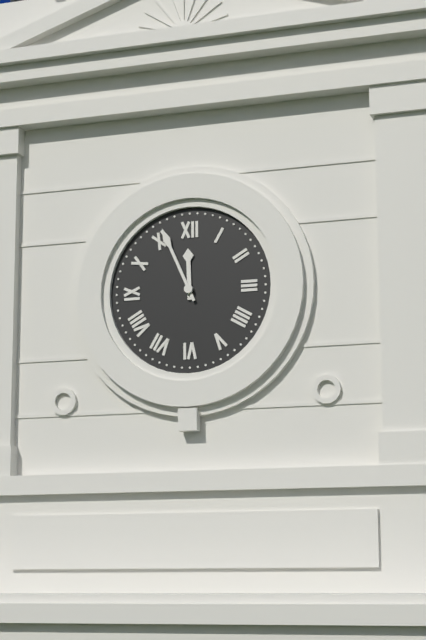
11:56
